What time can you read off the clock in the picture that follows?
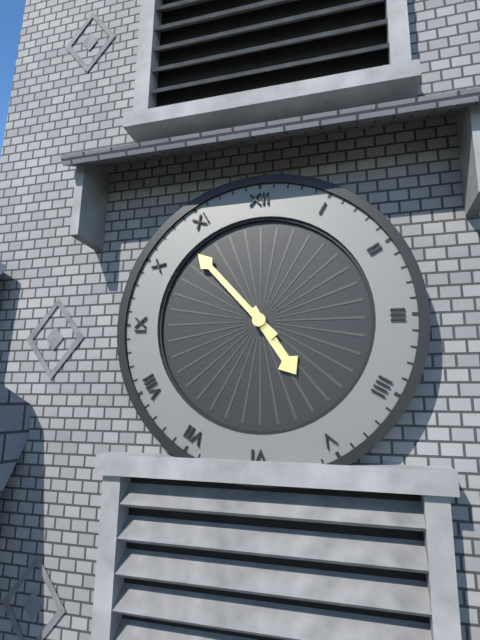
4:53
